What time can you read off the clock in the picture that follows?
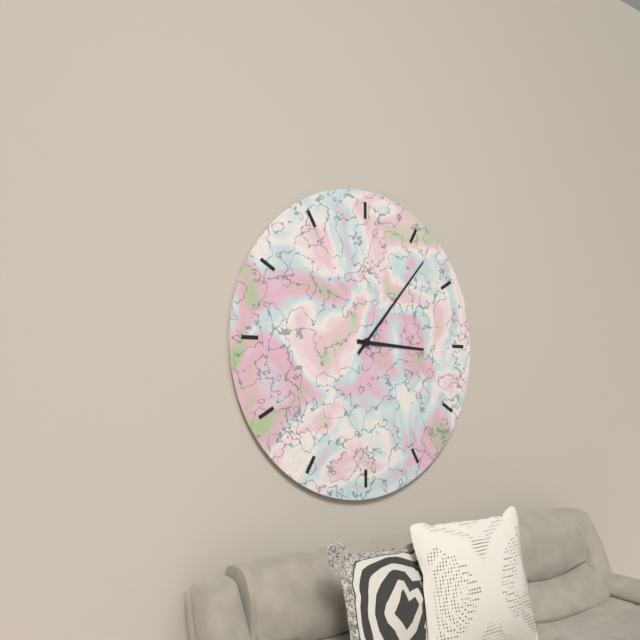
3:07
